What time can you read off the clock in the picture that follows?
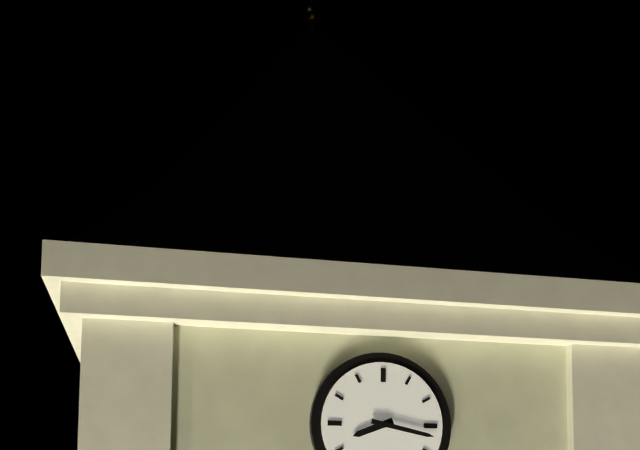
8:17
